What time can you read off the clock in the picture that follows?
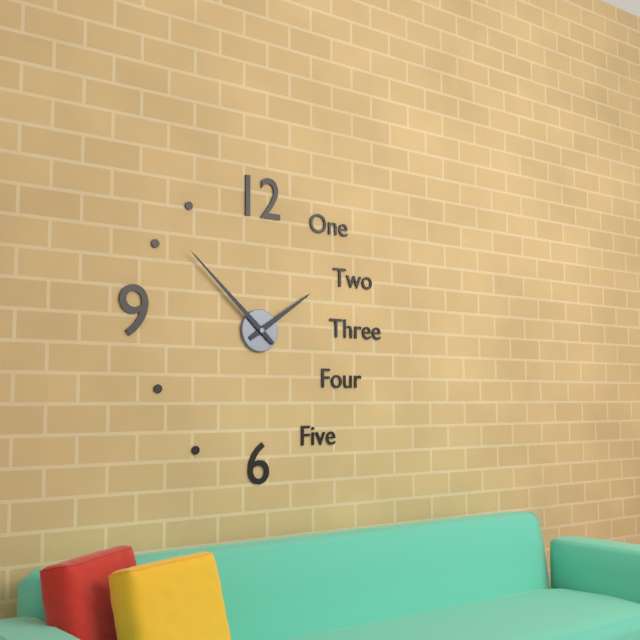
1:52
